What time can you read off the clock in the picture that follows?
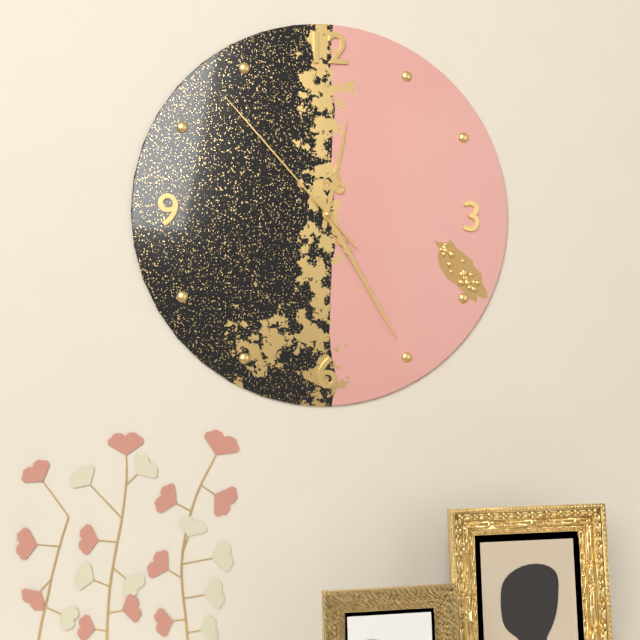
12:25:53
